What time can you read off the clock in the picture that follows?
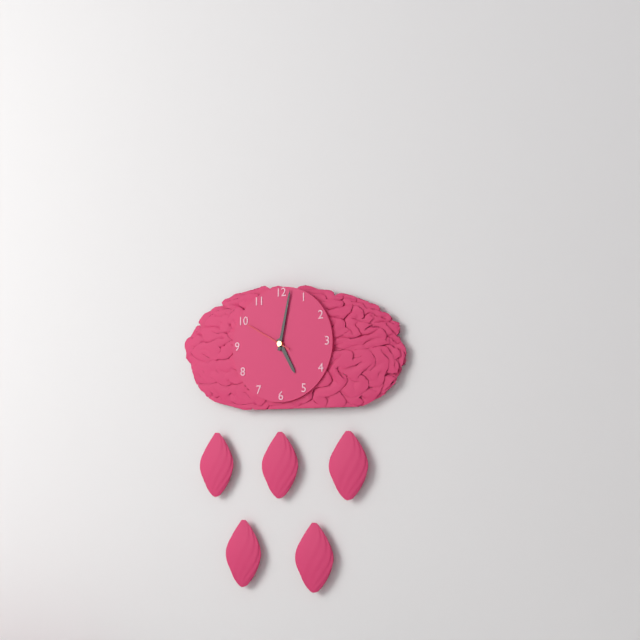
5:02
